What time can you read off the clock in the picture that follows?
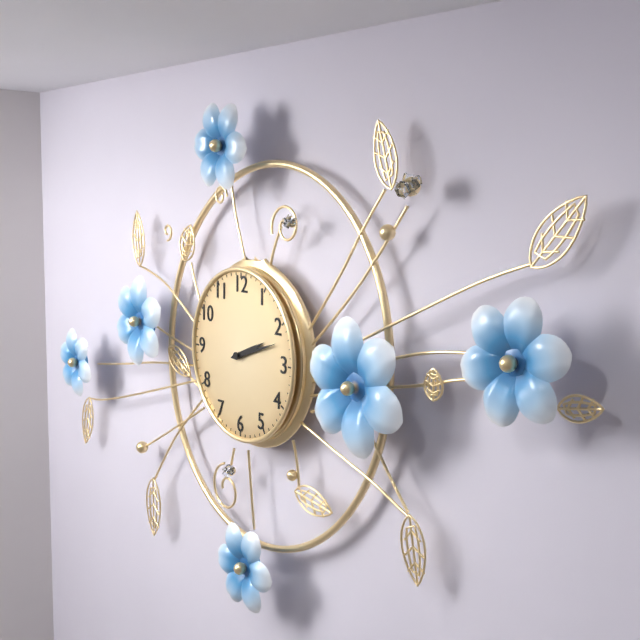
2:12
